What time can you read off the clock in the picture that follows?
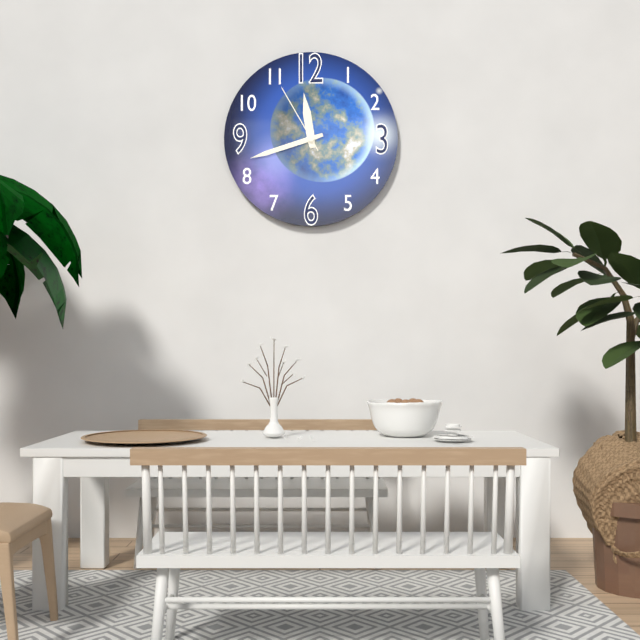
11:42:55
